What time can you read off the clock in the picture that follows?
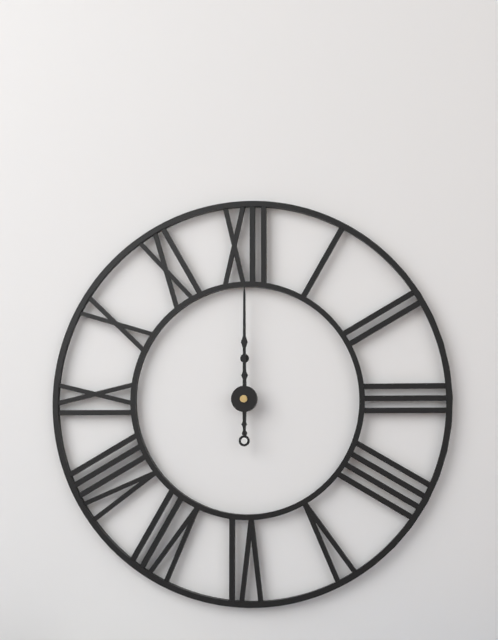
12:00
